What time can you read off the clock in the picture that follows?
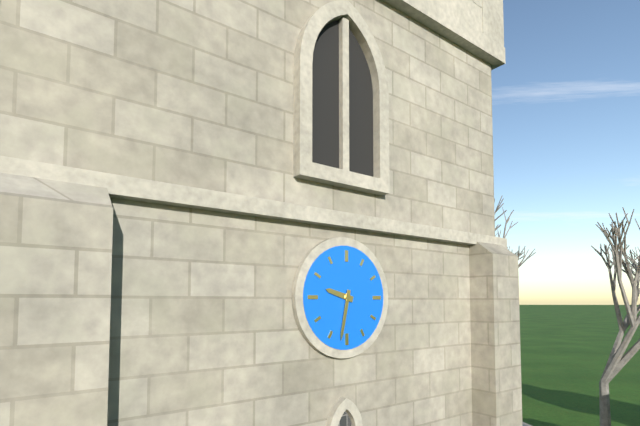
9:32
